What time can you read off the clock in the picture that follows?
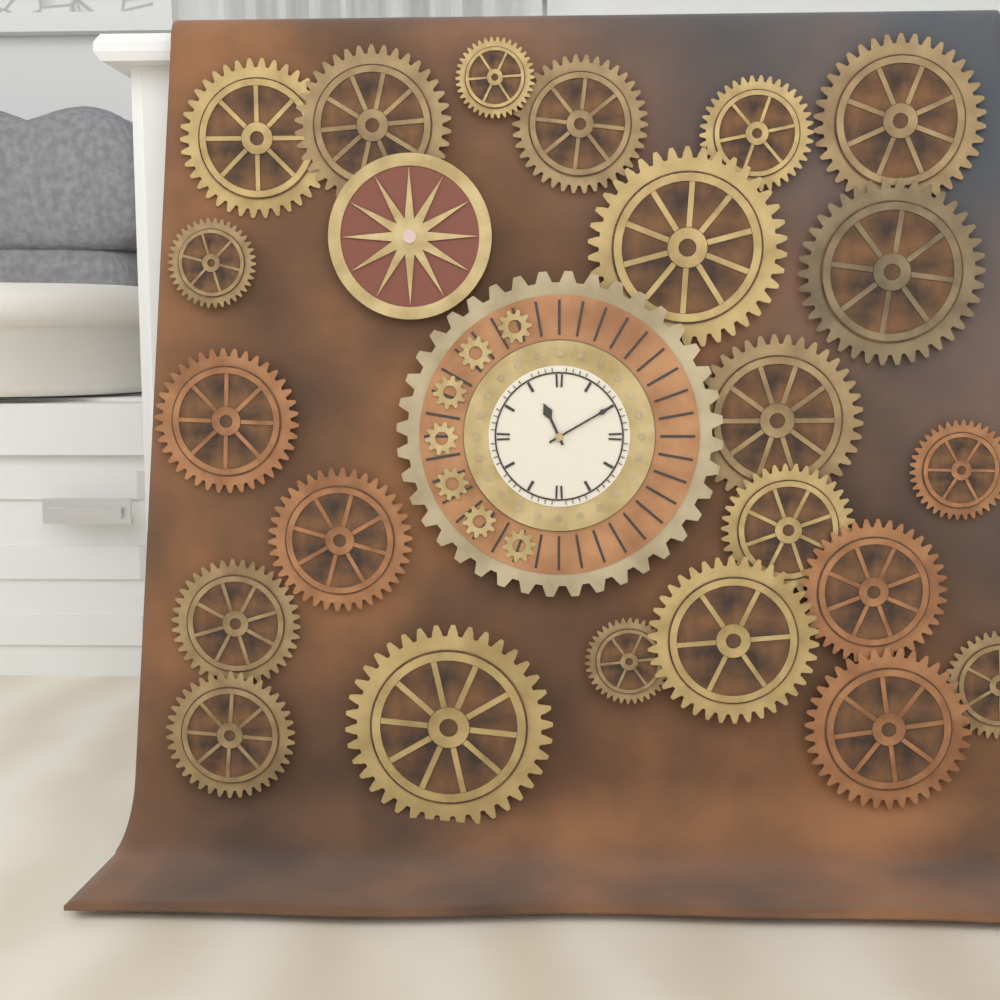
11:10
